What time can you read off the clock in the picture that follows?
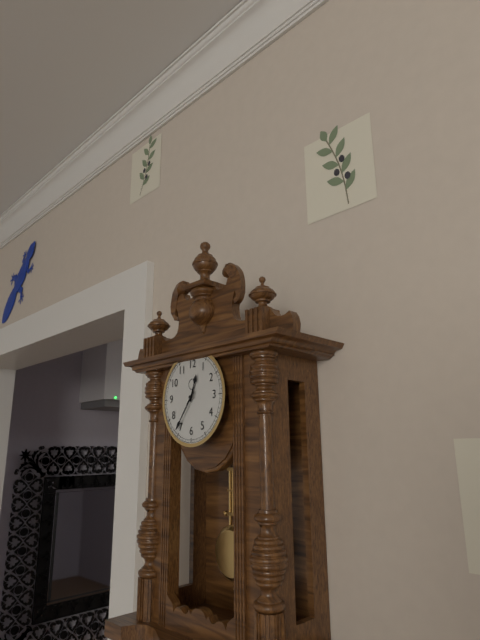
12:36
